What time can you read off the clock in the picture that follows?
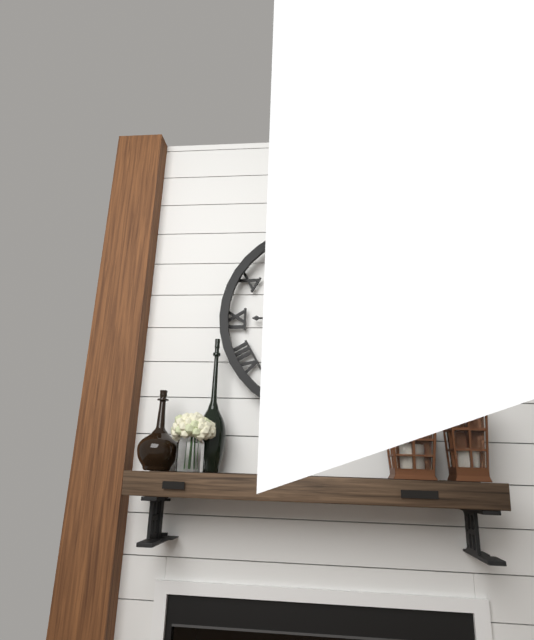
3:45
